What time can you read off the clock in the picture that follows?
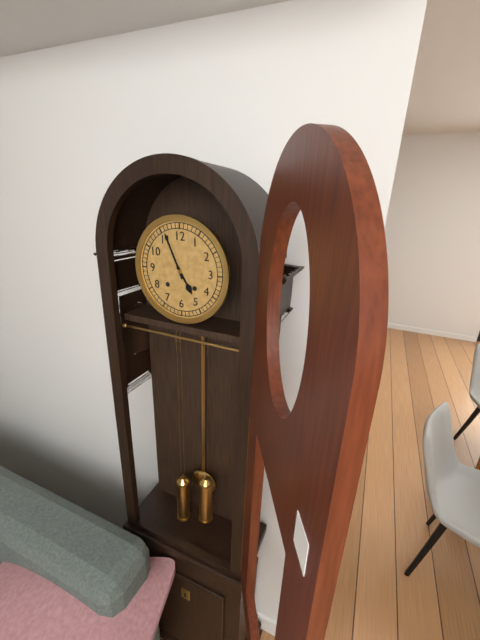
4:56
